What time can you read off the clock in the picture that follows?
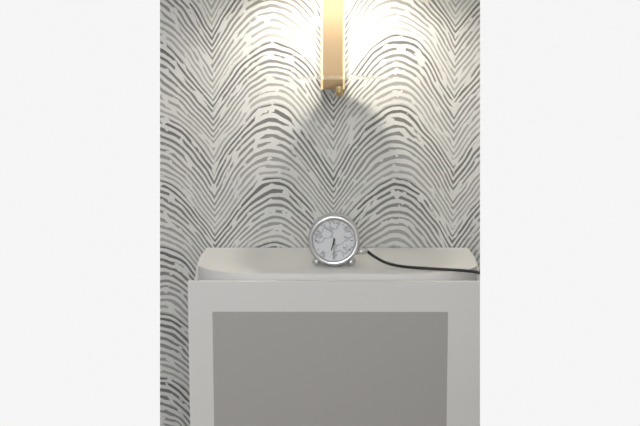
6:30
